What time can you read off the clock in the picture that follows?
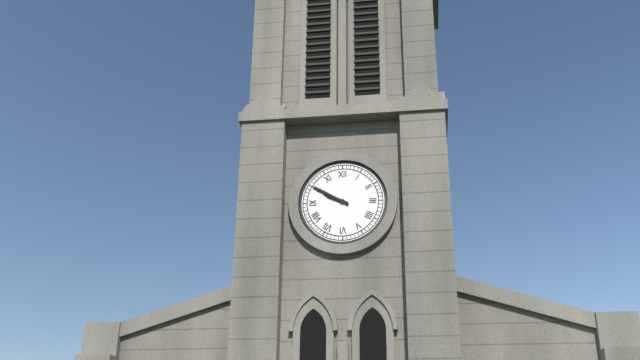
9:50
